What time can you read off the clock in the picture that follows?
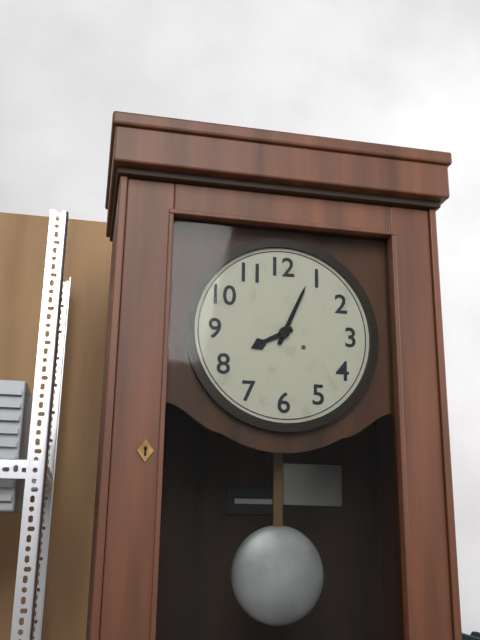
8:04
